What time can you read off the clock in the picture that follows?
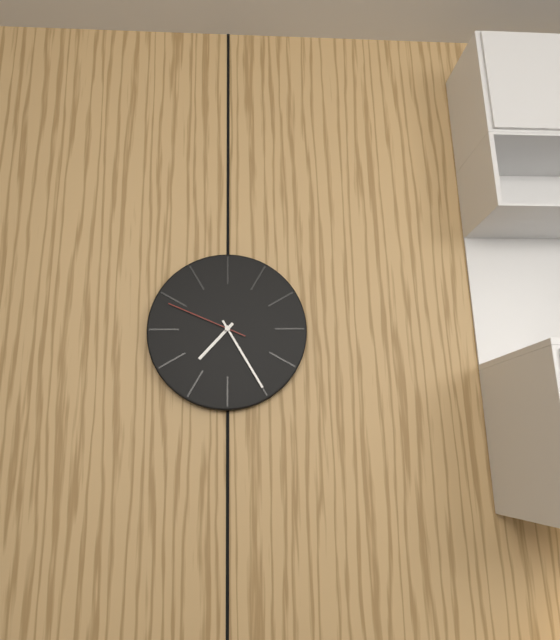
7:25:49
